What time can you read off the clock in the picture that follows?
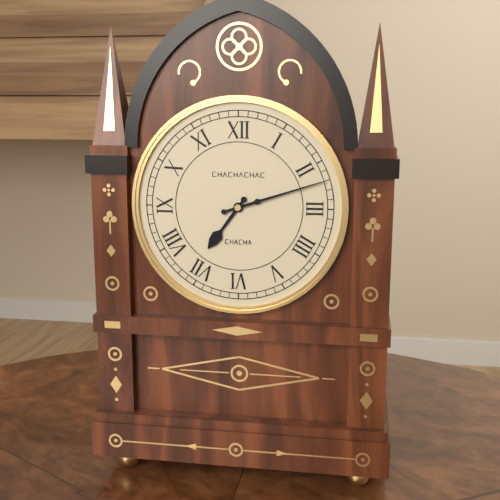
7:12
